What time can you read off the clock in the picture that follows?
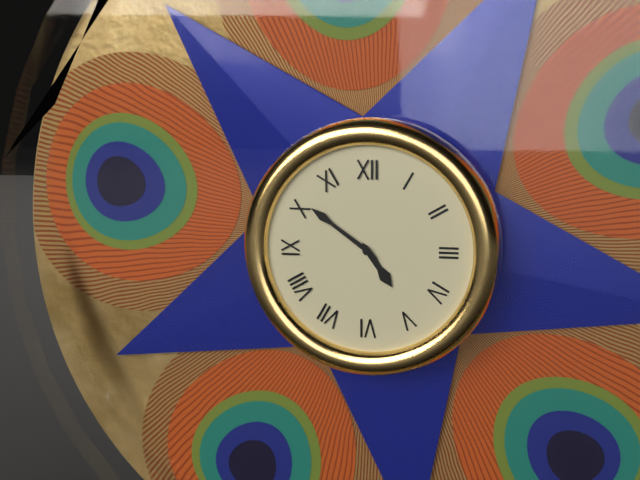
4:51
